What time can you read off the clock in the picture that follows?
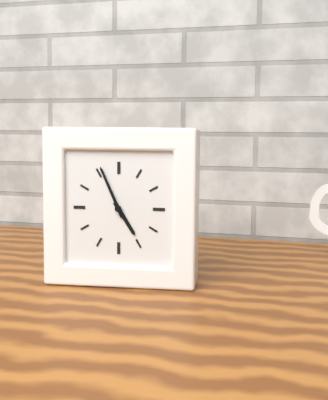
4:56
